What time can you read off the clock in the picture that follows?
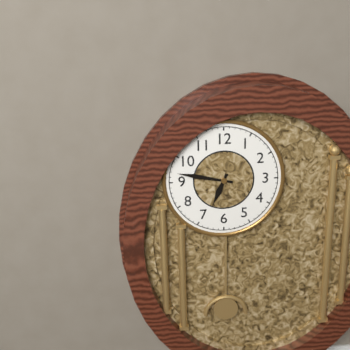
6:47
